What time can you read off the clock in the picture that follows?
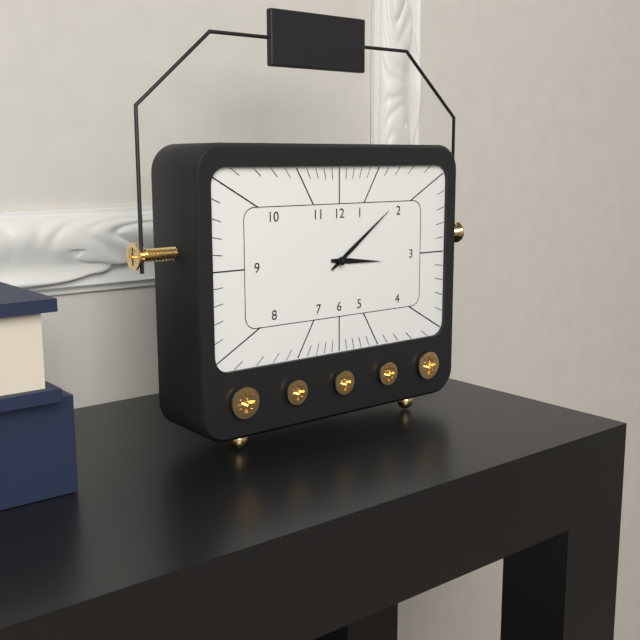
3:09
